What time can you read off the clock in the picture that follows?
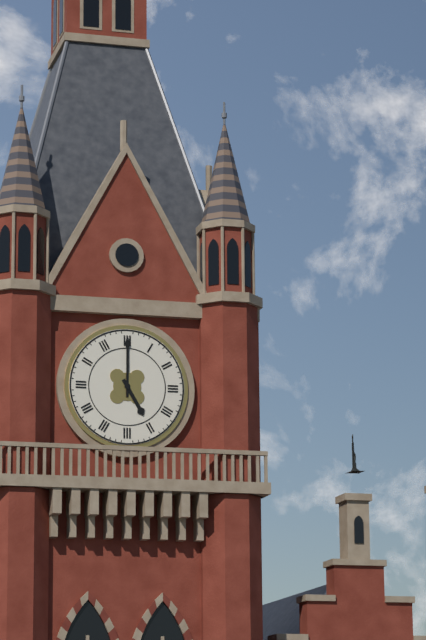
5:00
